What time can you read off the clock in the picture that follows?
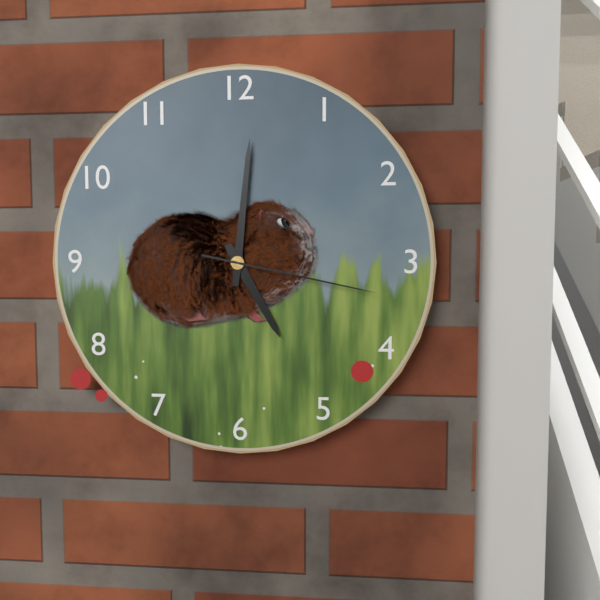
5:01:17
